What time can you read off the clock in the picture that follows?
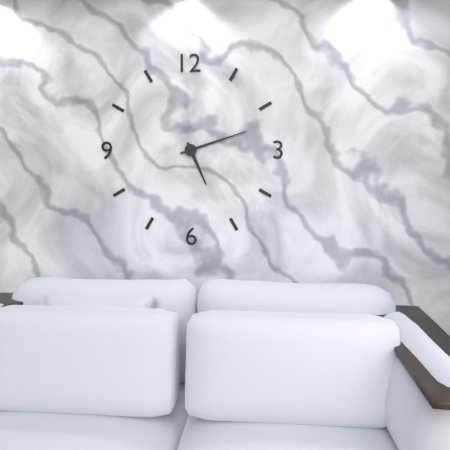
5:12
